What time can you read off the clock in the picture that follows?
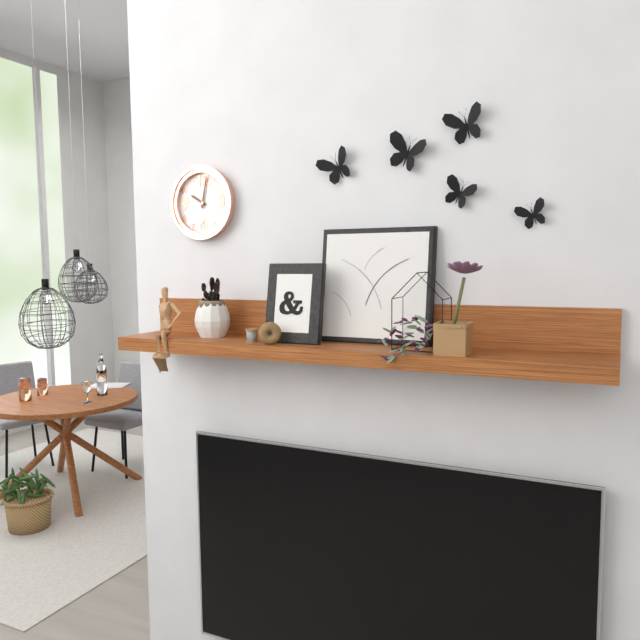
10:02
